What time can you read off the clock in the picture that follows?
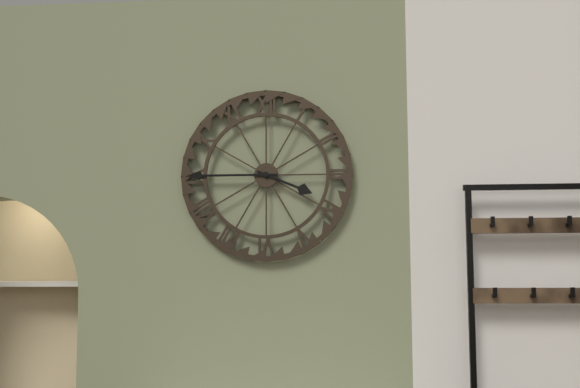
3:45
